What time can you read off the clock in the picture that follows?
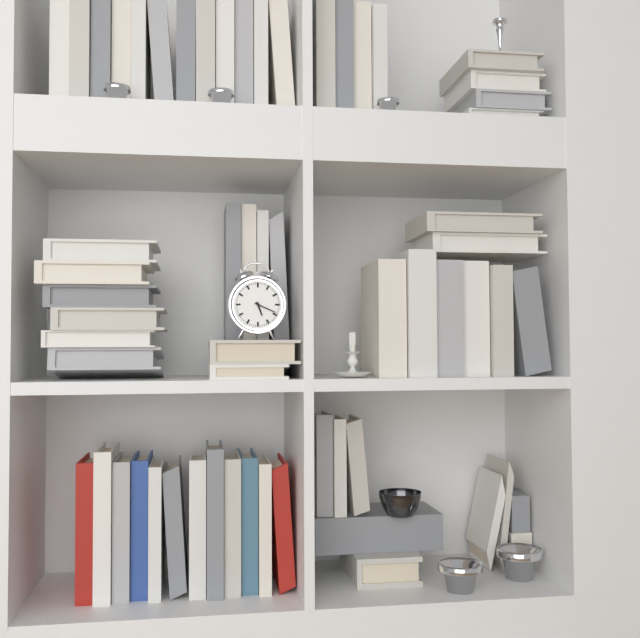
5:19
